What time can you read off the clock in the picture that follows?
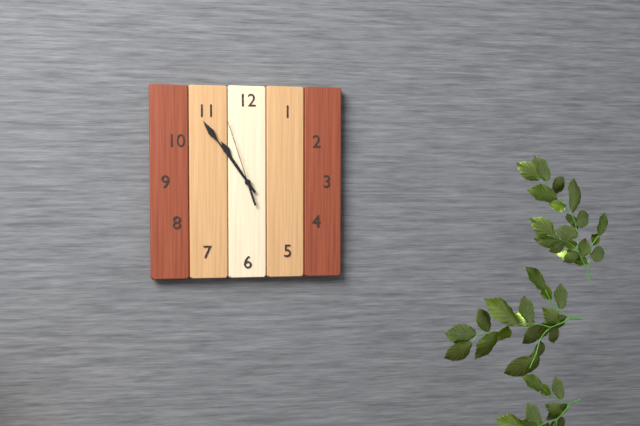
10:54:57
